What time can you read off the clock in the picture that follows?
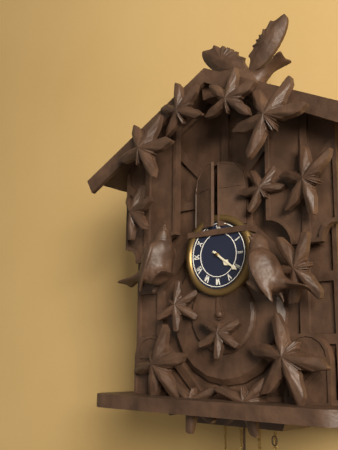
4:21
